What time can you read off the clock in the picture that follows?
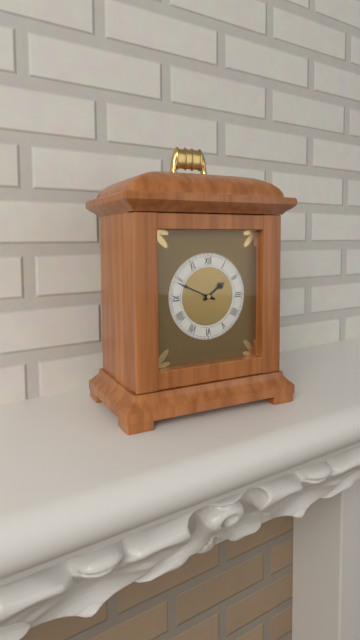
1:49
